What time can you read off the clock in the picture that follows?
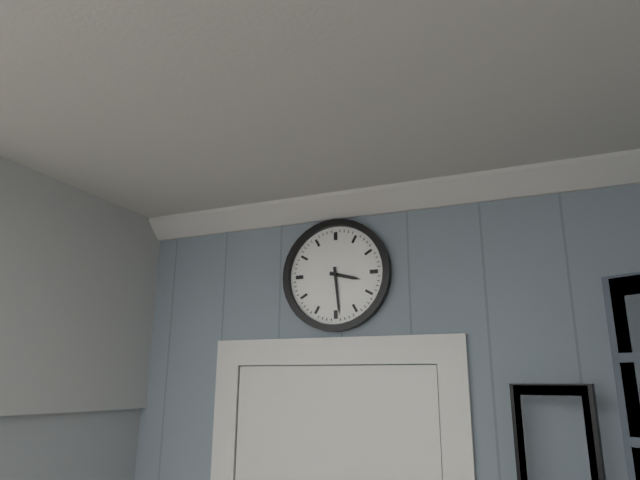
3:29
